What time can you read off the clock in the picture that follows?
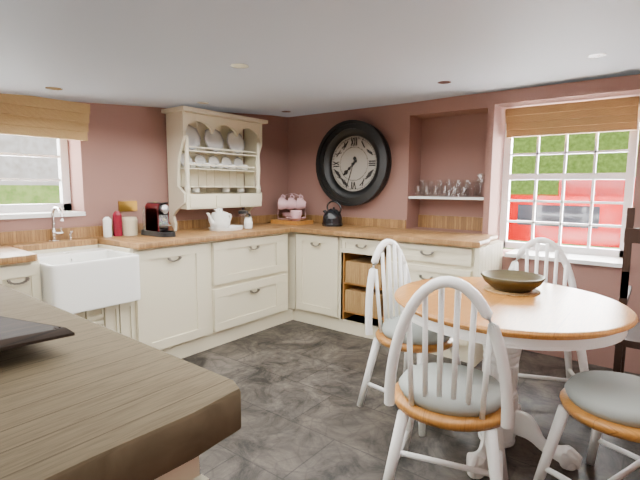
7:33
